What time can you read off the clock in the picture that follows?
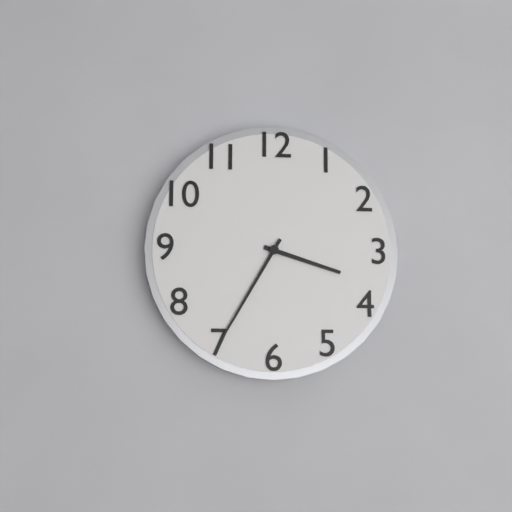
3:35
